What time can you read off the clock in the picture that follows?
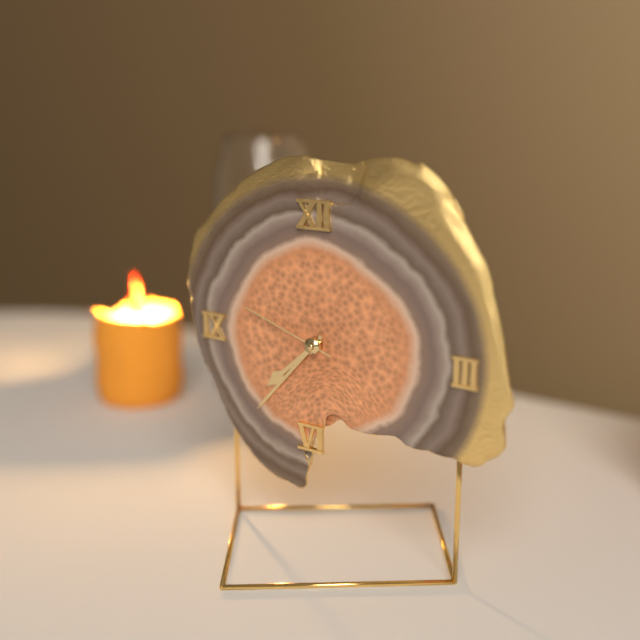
7:37:48
